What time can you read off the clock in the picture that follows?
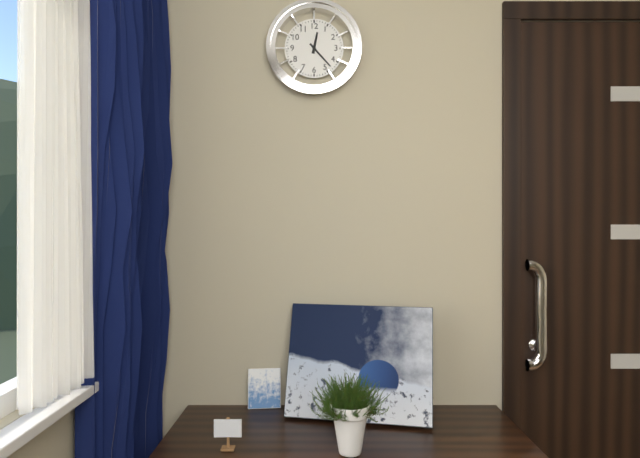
12:23
